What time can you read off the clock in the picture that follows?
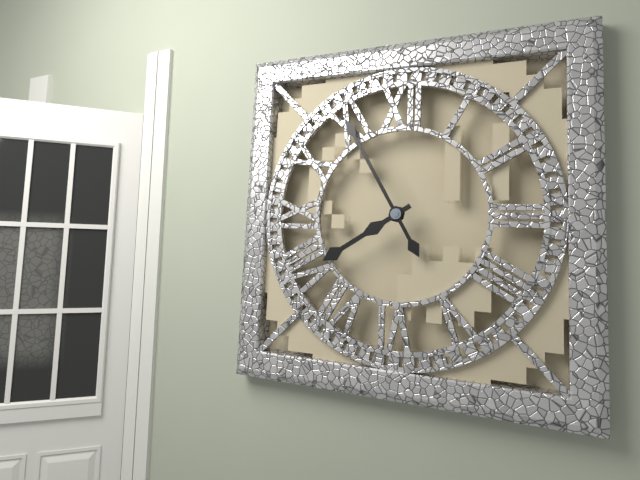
7:55
